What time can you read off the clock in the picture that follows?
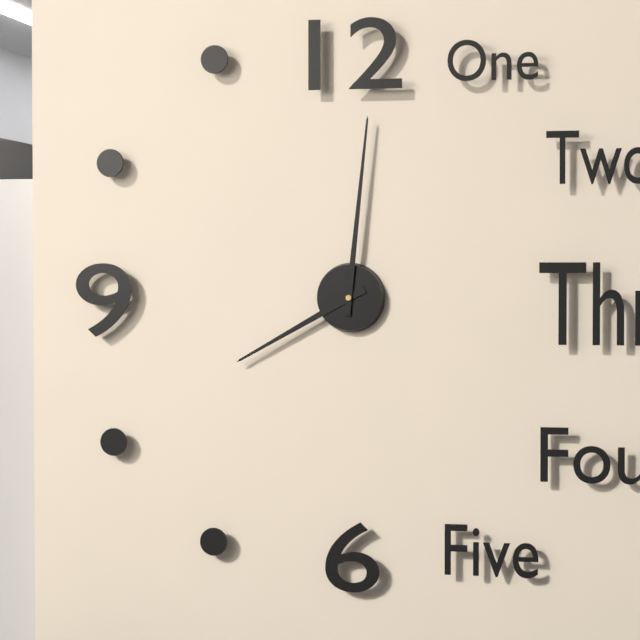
8:01
